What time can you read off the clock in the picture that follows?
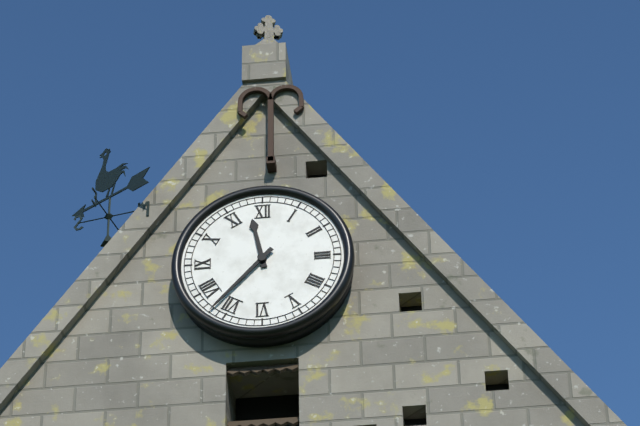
11:37
